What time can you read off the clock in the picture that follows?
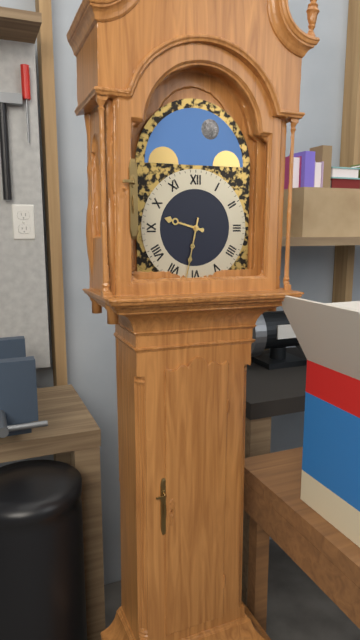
9:32
